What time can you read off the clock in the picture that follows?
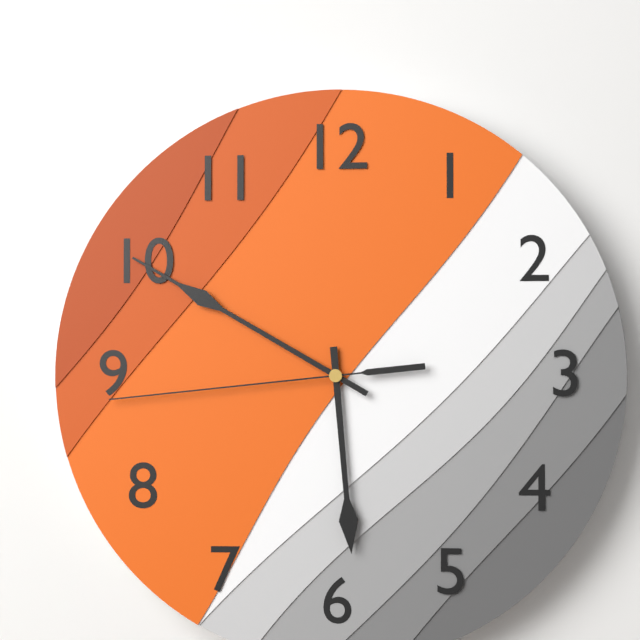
5:50:44
